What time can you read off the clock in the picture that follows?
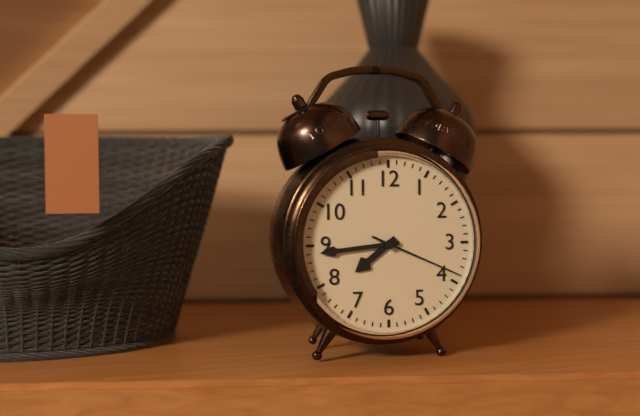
7:44:19
